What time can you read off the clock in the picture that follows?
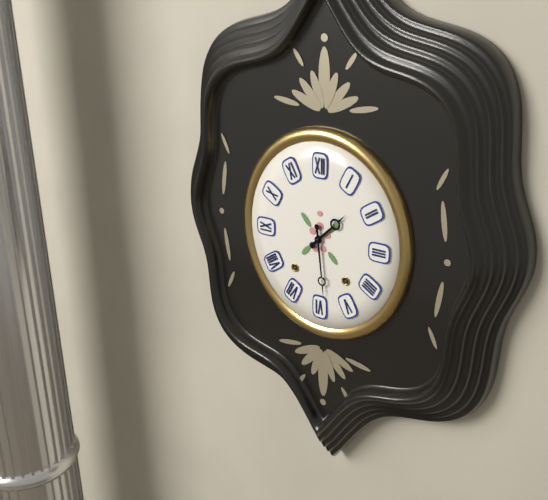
1:29
